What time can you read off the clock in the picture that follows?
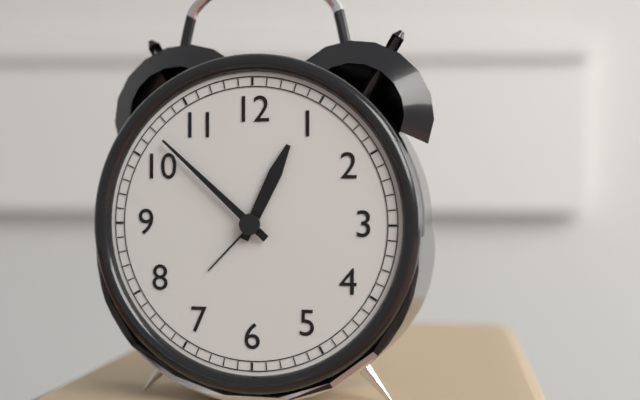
12:52
